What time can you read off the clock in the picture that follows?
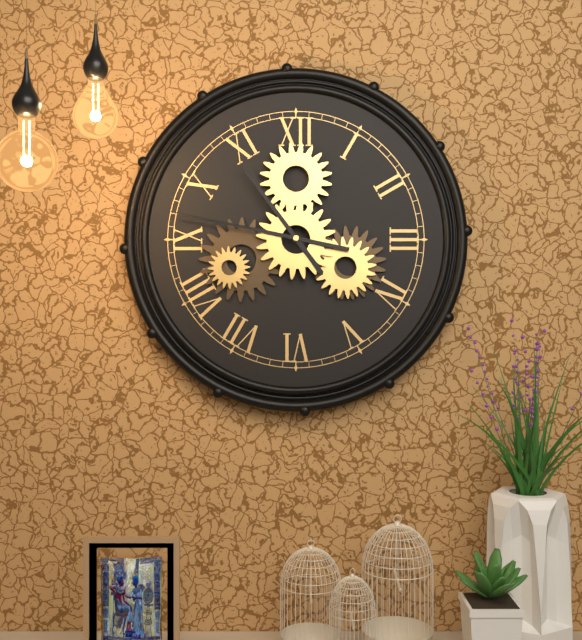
10:47
